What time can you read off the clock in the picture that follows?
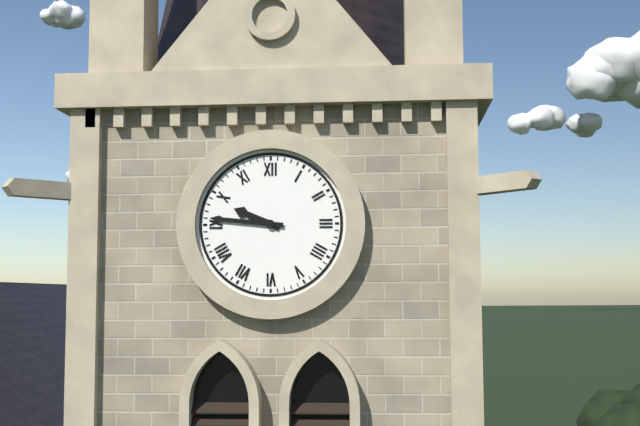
9:46
